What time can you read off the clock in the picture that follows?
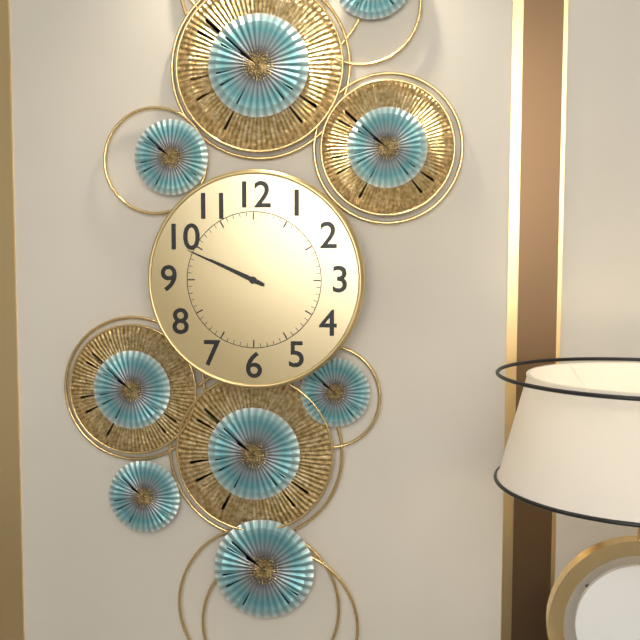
9:49
